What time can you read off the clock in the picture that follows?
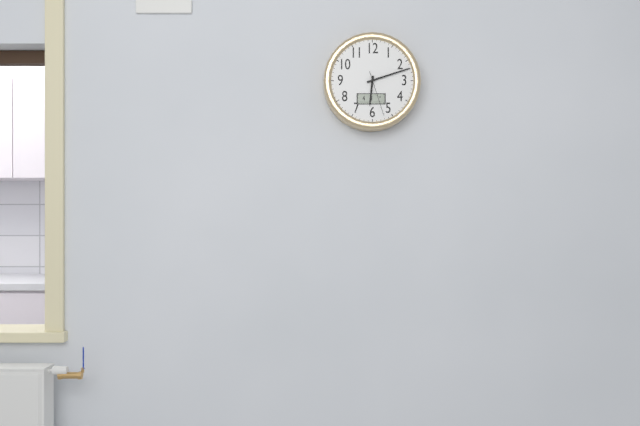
6:12
